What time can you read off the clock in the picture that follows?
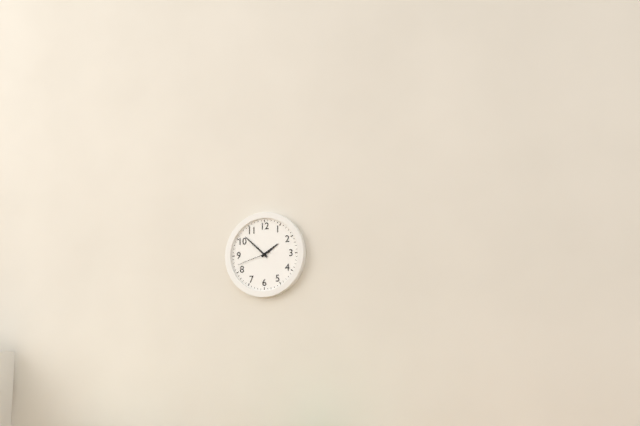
1:52
